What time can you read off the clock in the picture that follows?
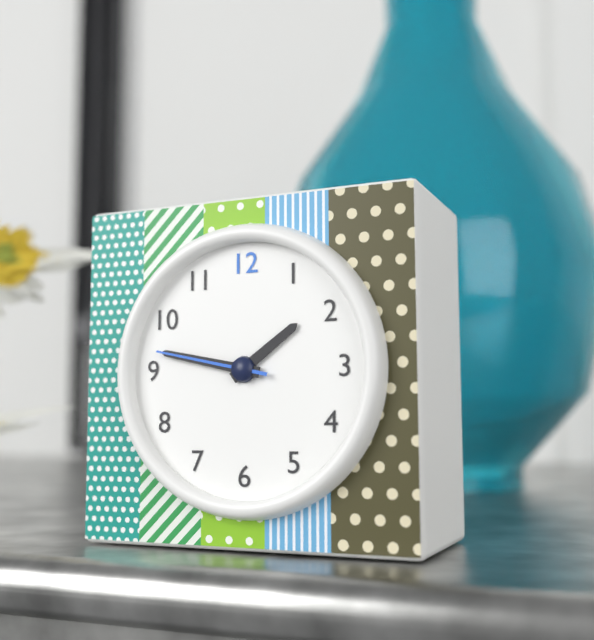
1:47:47
